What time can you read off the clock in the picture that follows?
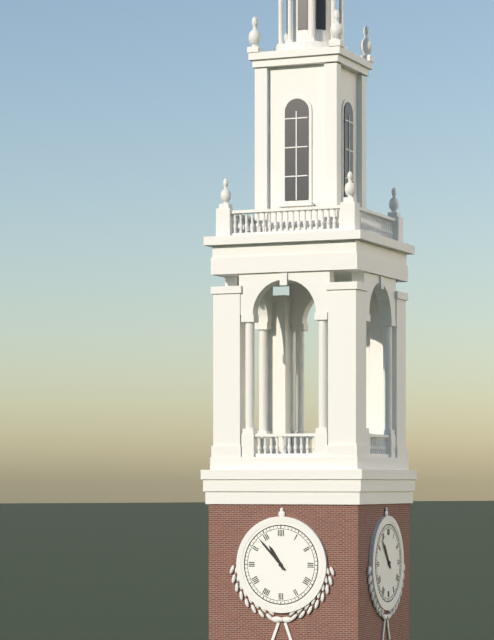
10:53
